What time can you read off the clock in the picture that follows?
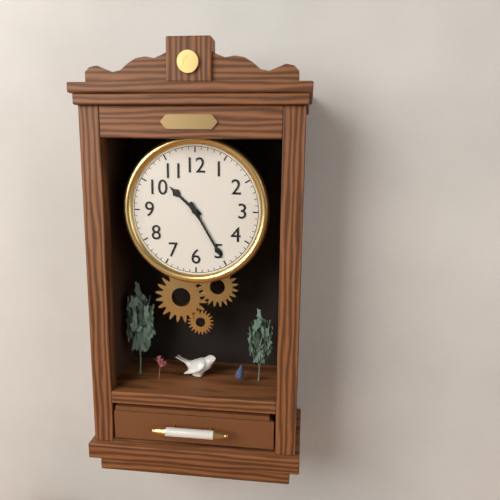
10:25
